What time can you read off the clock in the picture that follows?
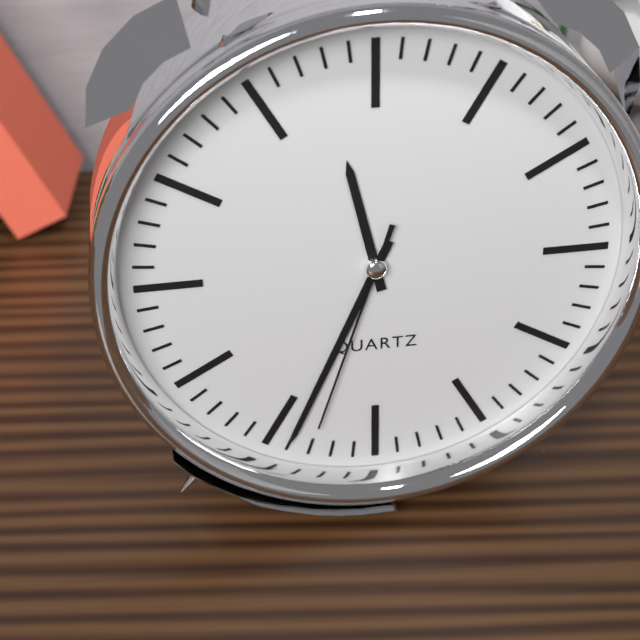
11:34:33
